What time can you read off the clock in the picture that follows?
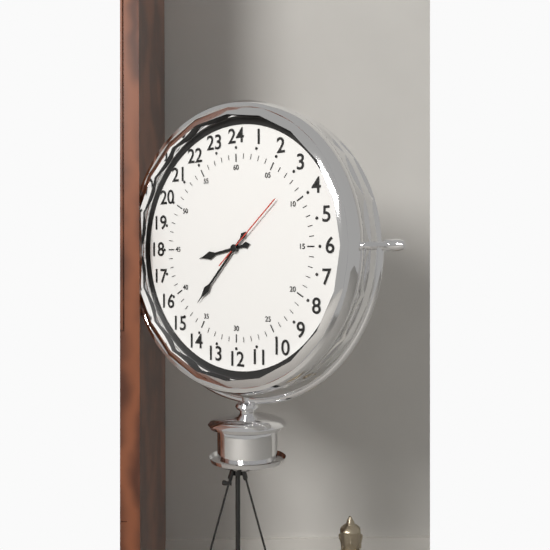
8:37:08
